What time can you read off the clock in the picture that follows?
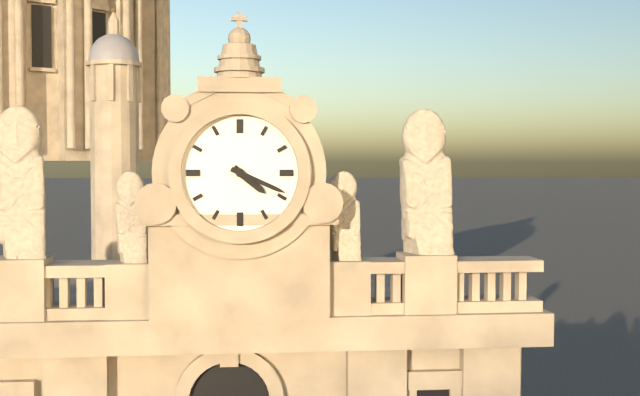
4:19
